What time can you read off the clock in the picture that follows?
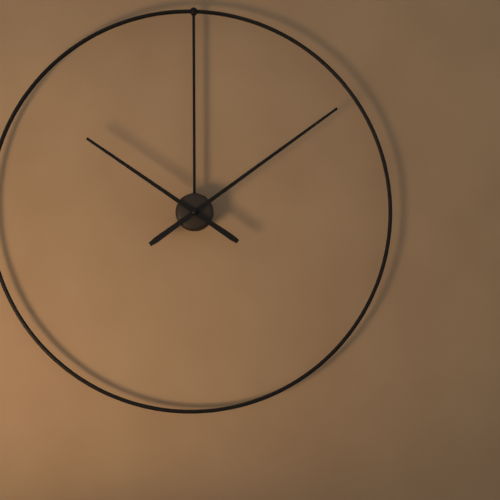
10:09
